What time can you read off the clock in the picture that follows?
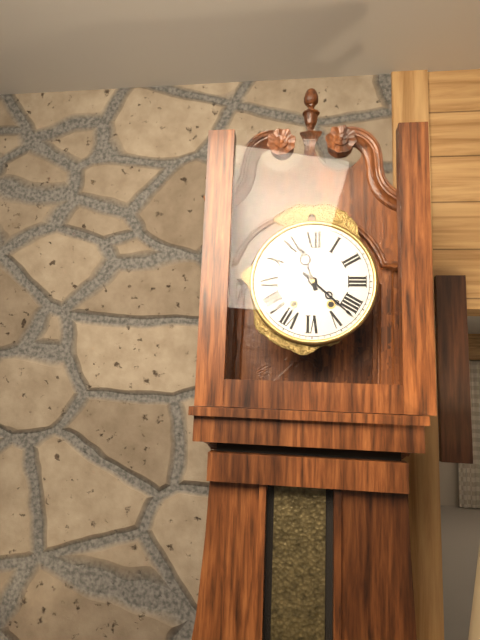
11:22
